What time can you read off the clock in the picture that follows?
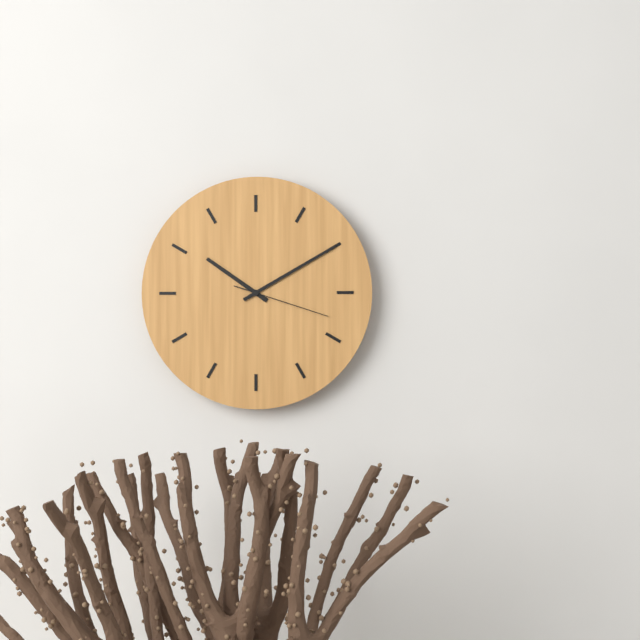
10:10:18
